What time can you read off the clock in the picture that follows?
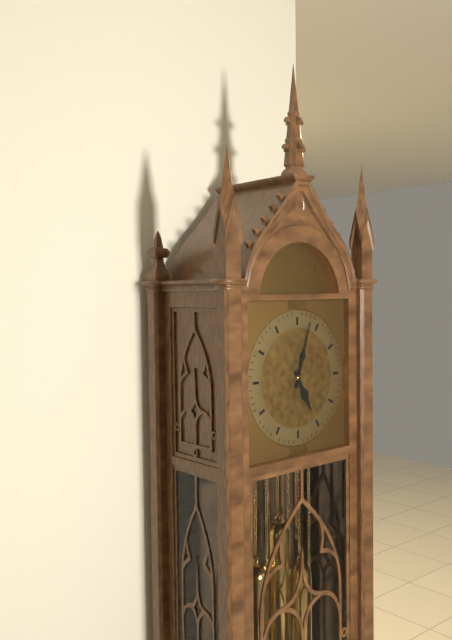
5:03
